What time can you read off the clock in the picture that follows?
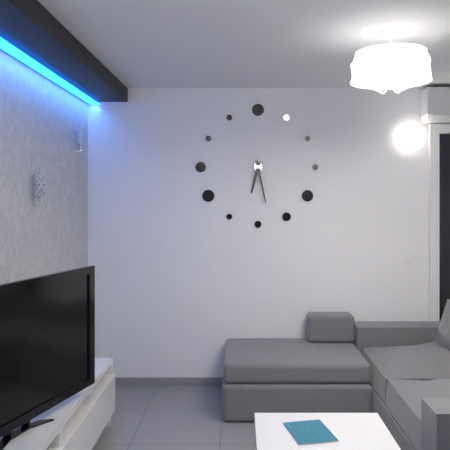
6:28
